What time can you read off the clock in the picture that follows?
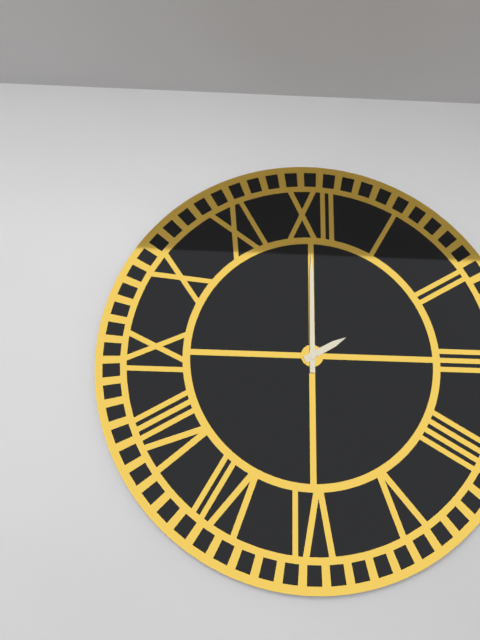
2:00
